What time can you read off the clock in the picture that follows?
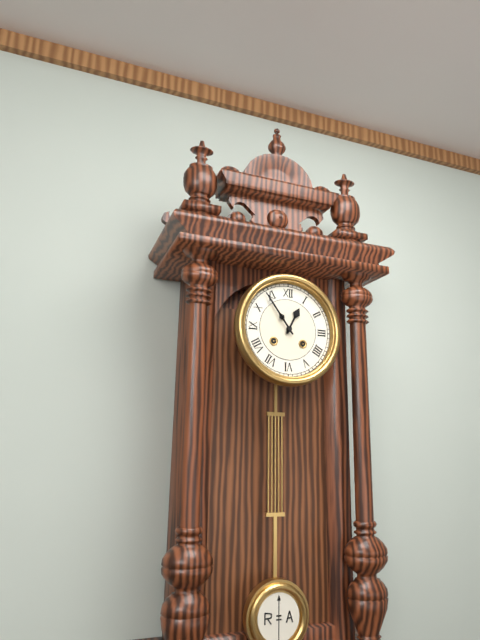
12:54
